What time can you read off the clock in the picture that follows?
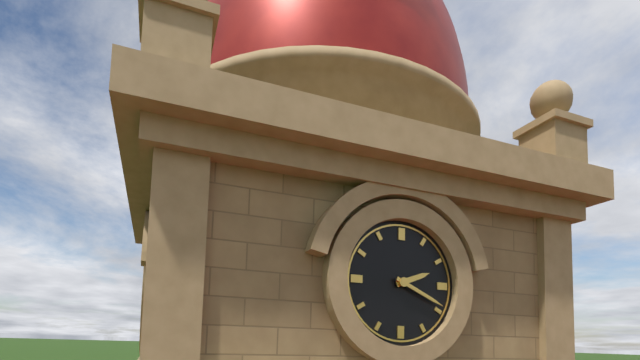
2:19
